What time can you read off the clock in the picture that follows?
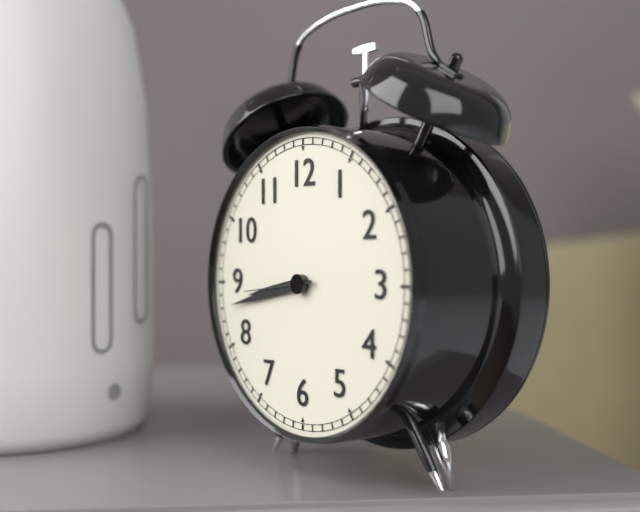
8:43:44
